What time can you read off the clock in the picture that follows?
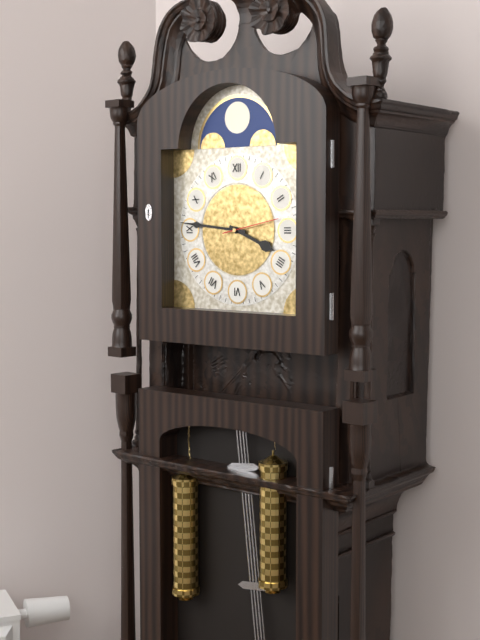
3:46:13
